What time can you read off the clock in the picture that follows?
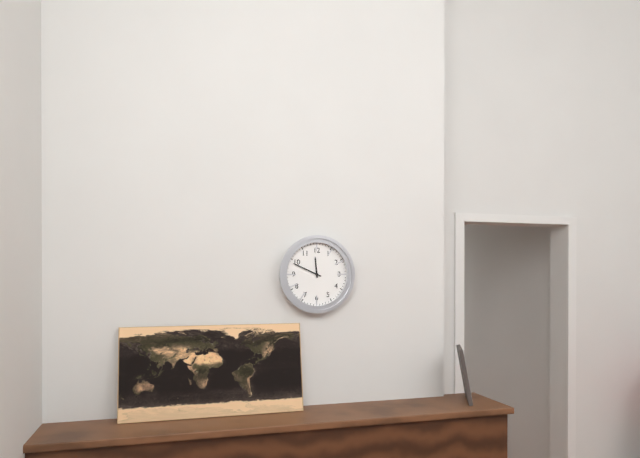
11:49
